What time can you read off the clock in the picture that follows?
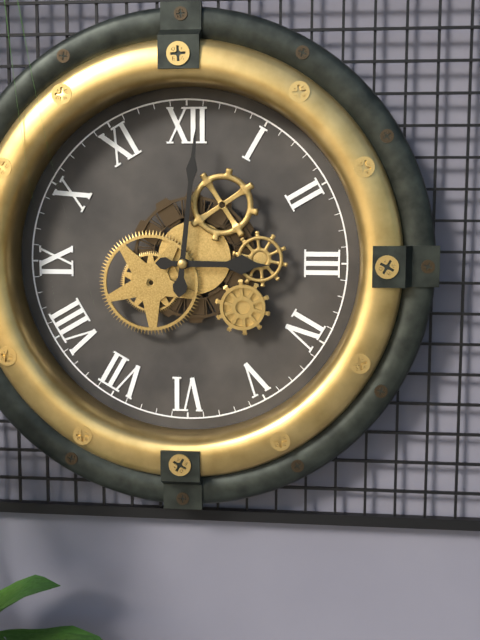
3:01
